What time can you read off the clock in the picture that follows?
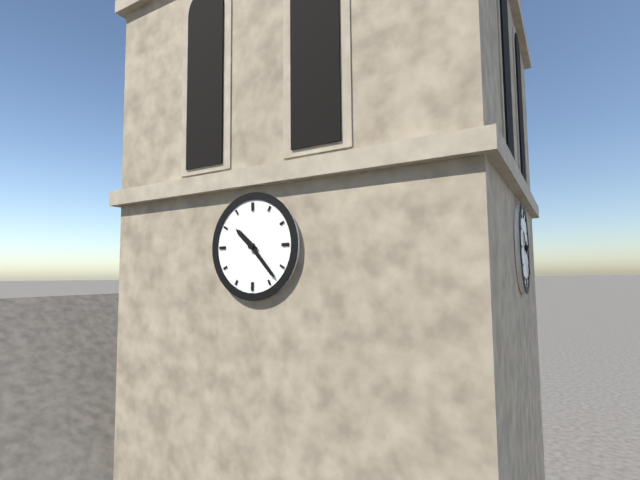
10:23
